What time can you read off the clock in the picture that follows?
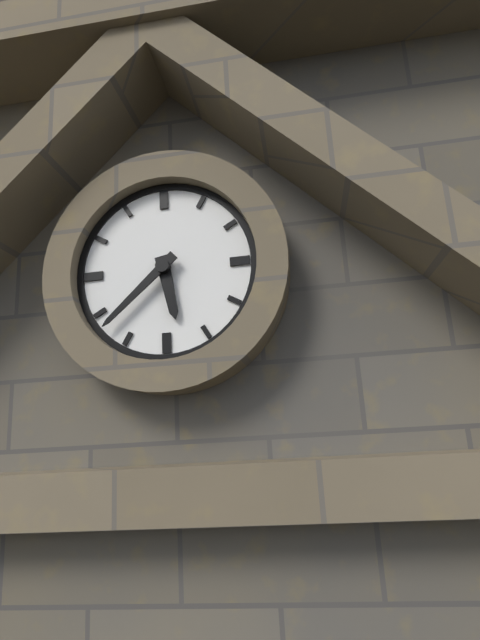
5:38
